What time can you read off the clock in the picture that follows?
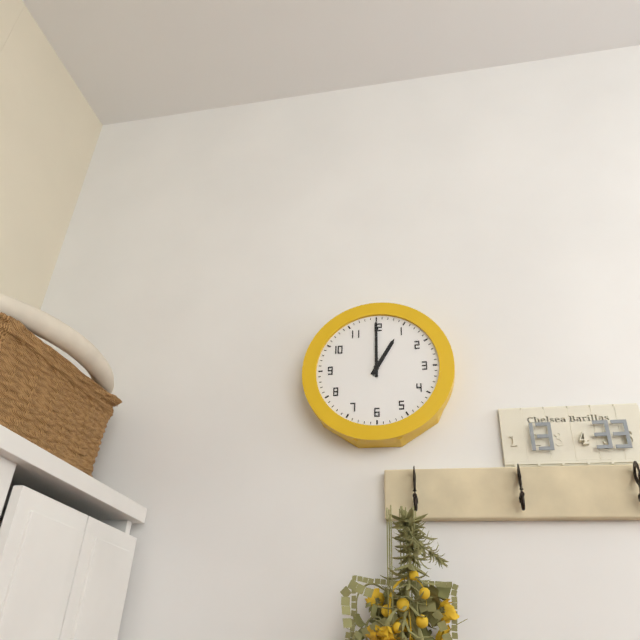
1:00
